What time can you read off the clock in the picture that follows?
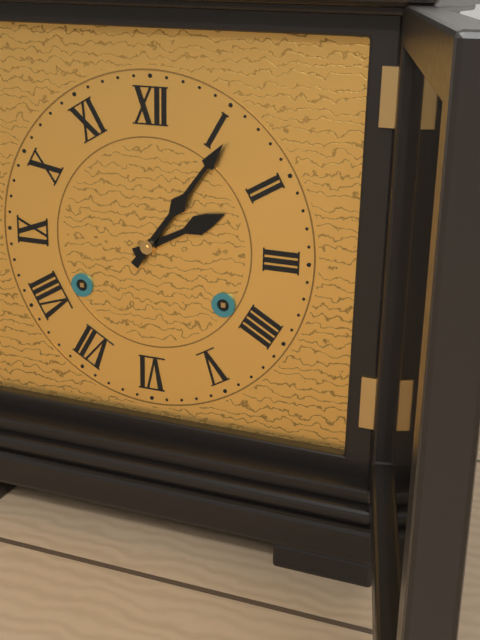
2:06
